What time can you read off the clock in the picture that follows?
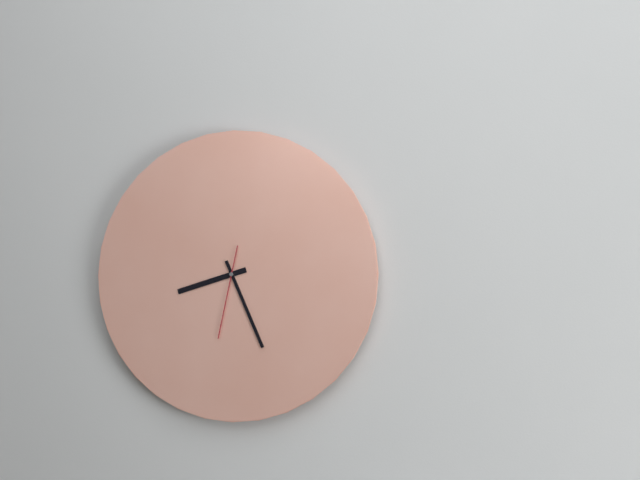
8:26:32
